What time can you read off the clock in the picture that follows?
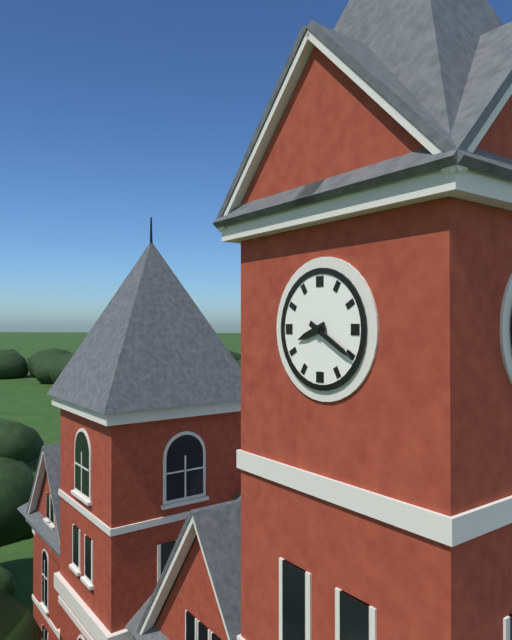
8:20
